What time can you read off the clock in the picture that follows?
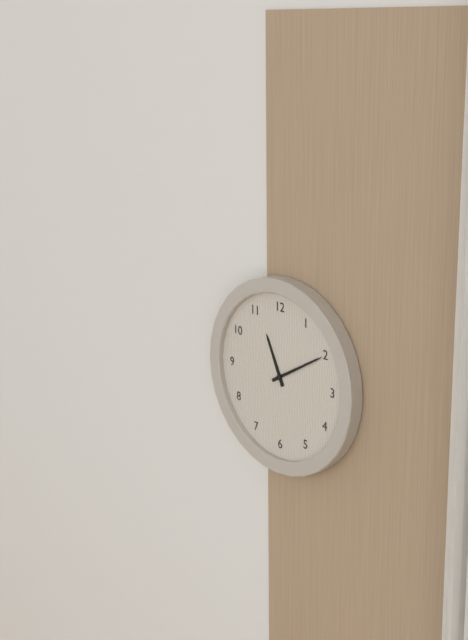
11:10
